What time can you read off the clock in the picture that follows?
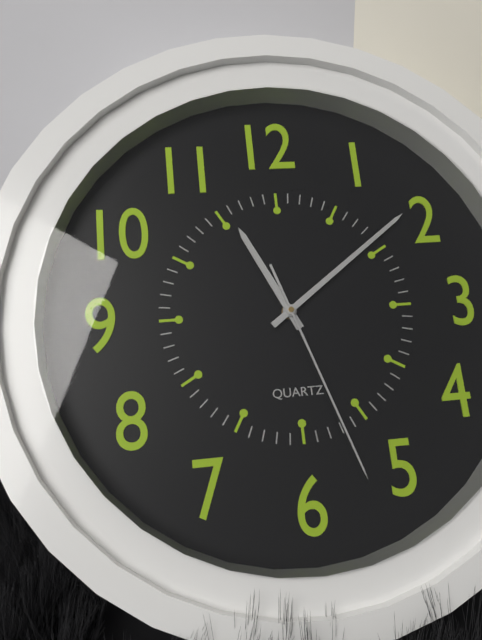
11:09:27
